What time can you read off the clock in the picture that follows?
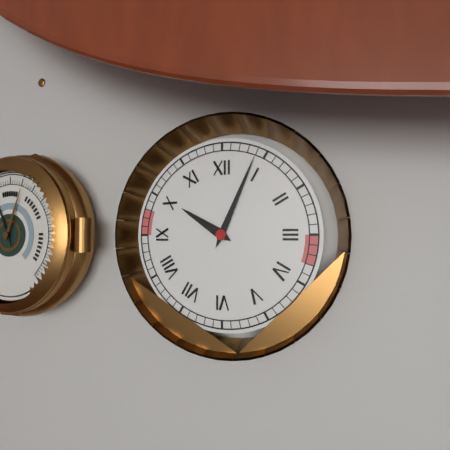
10:04
